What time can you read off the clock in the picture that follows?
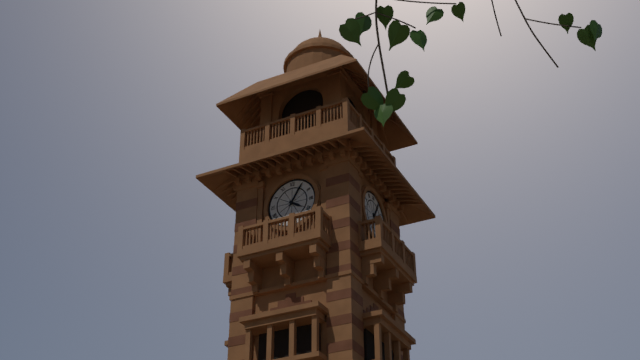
4:05
